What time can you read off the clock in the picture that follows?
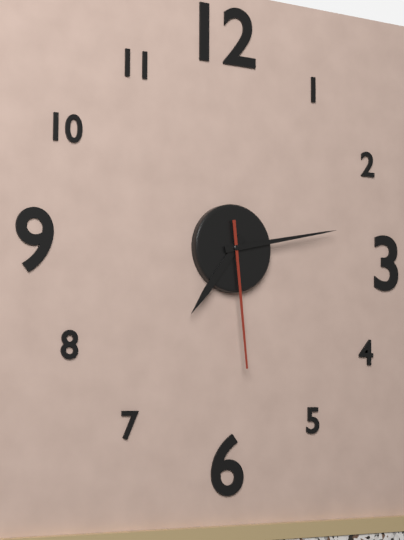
7:13:29
